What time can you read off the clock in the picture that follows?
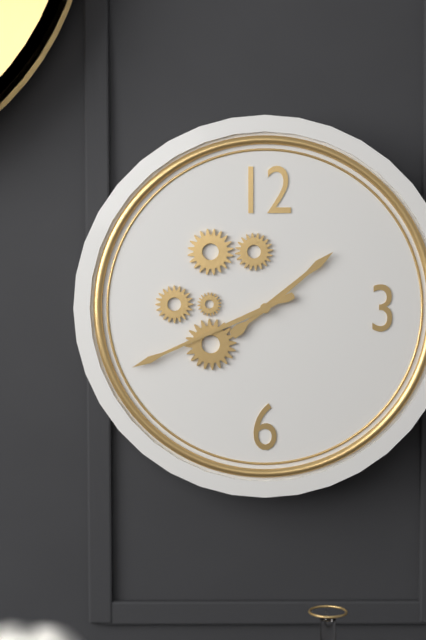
1:41
